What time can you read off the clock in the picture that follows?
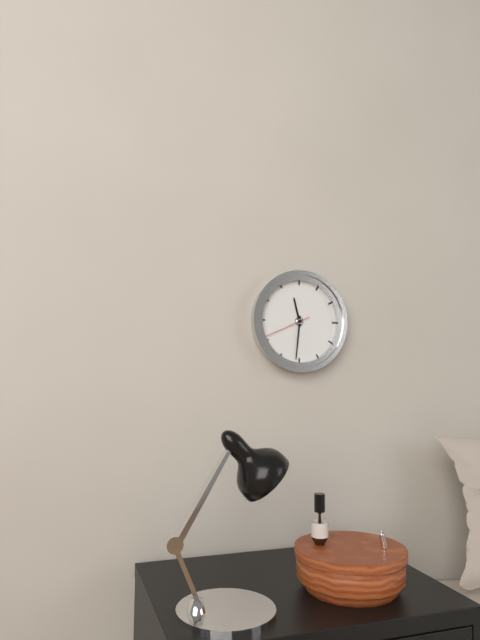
11:31
